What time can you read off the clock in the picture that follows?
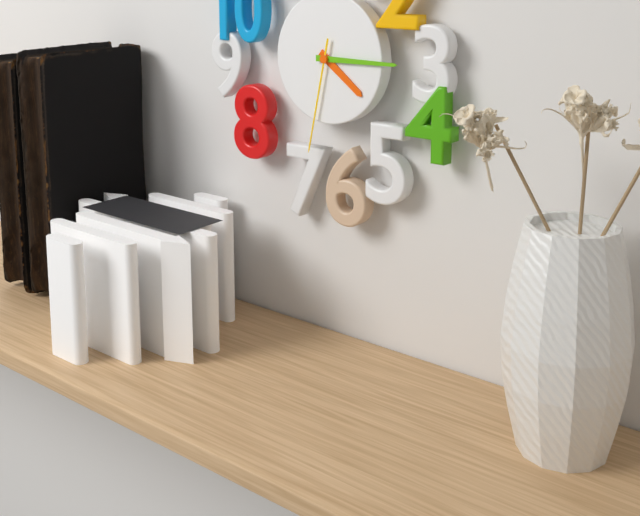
4:15:32
